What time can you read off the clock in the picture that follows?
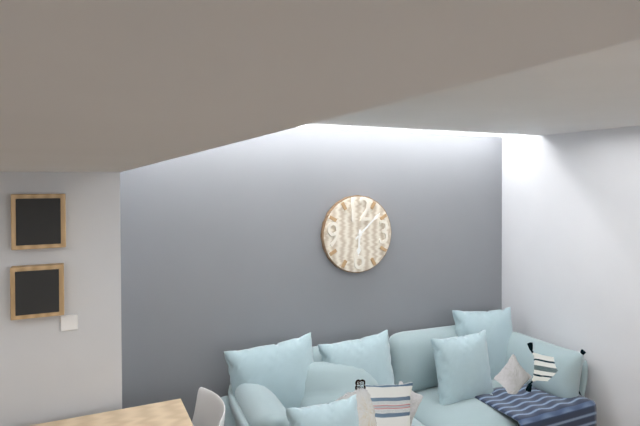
6:08
